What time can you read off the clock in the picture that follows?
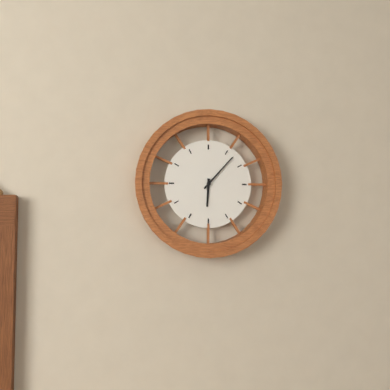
6:07
